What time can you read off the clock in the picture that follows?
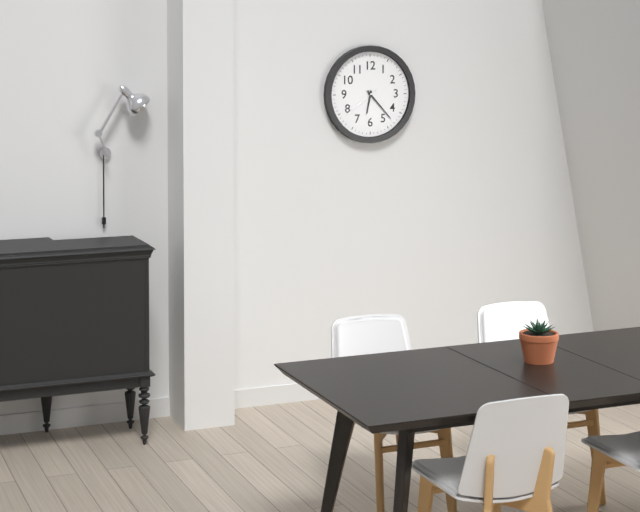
6:23
